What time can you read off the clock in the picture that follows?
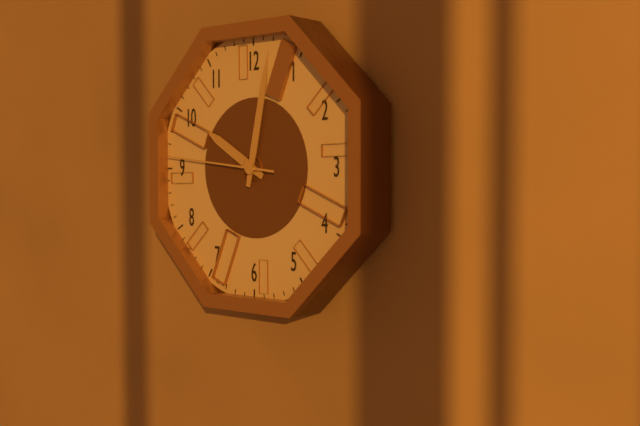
10:02:46
